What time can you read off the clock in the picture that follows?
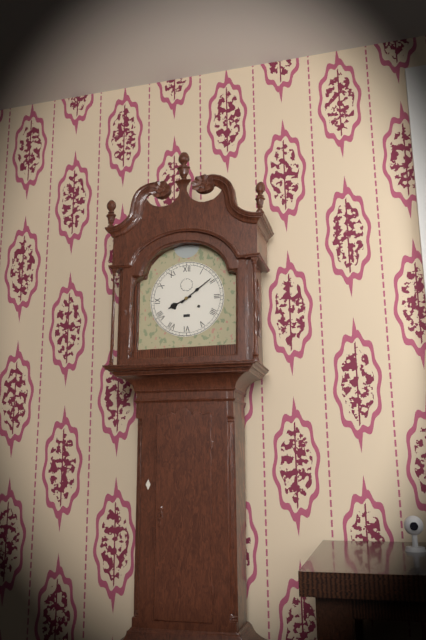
8:09
